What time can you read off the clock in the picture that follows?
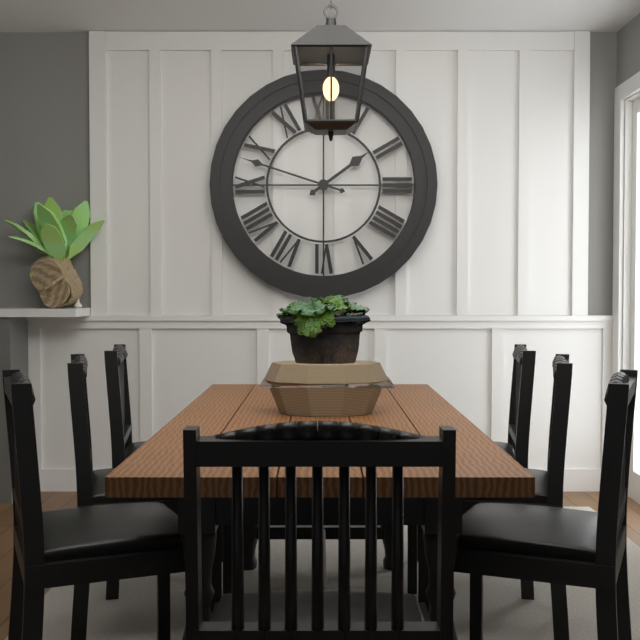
1:48
